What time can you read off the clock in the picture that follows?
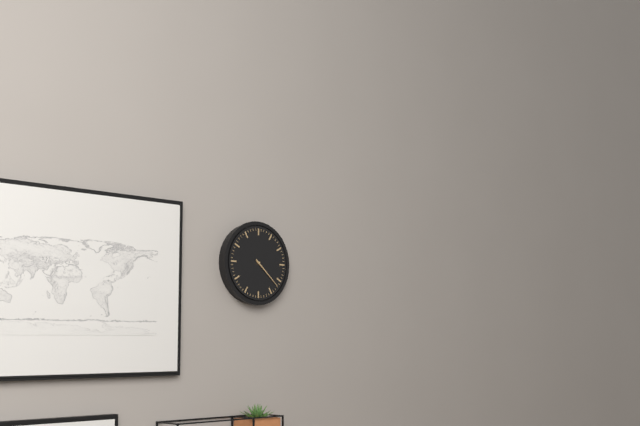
4:22
